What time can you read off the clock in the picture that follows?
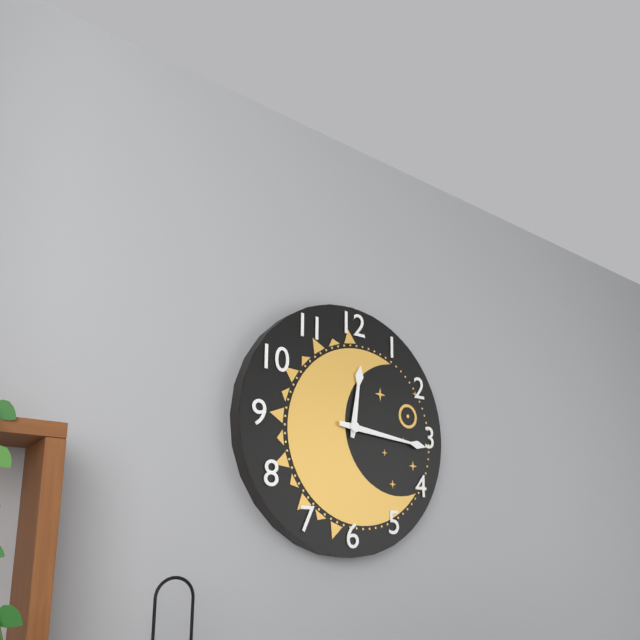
12:16
